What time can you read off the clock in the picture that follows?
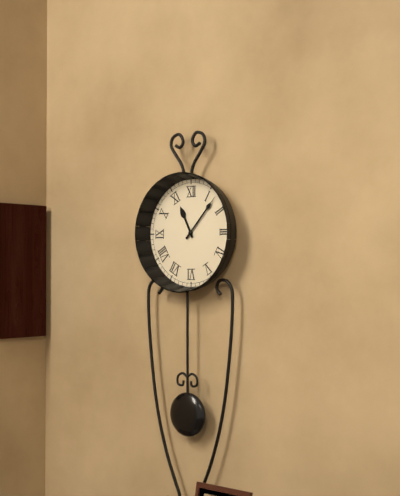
11:07
